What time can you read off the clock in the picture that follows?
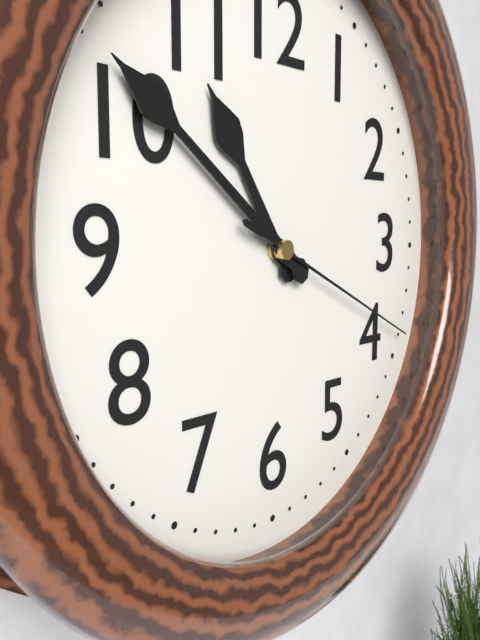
10:51:19
